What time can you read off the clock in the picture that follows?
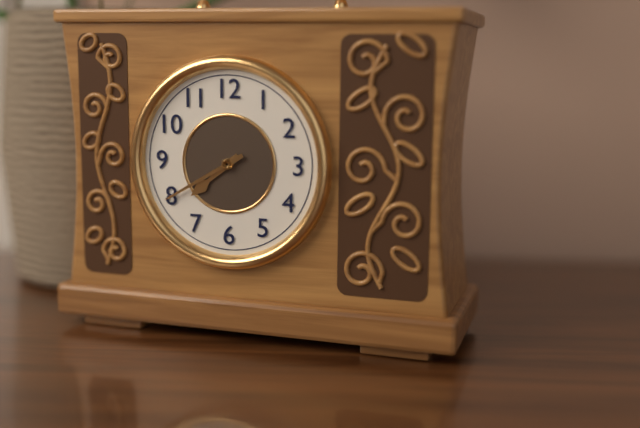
7:40
